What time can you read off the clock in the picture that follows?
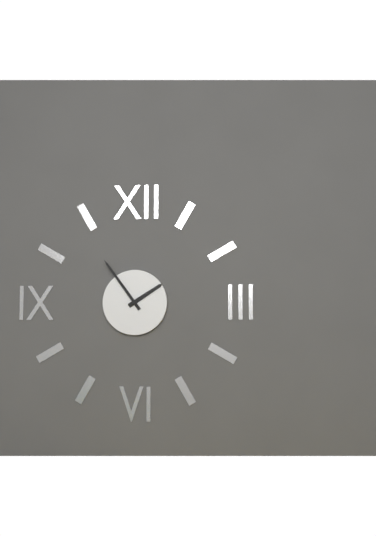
1:54
